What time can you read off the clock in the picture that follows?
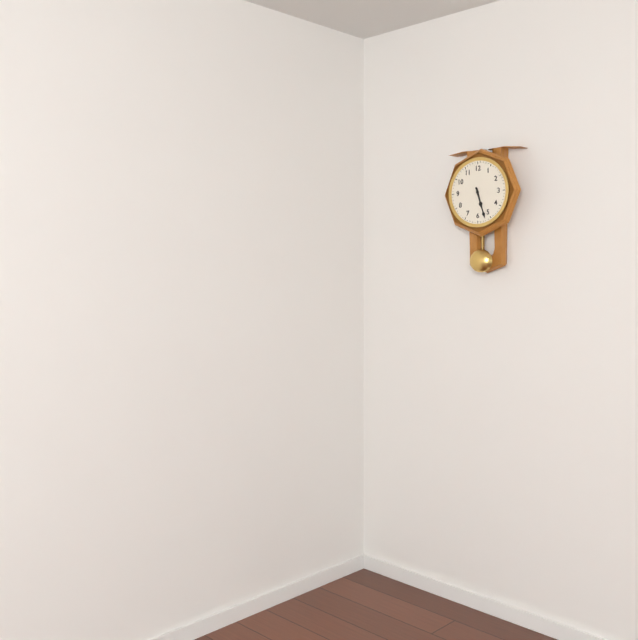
5:27
